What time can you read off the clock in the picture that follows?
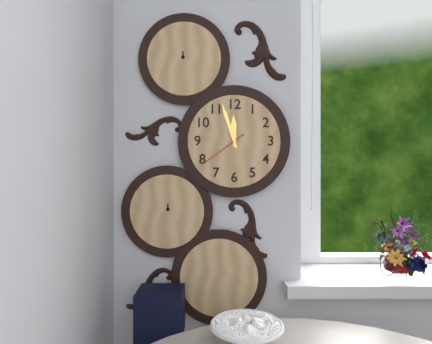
11:57
